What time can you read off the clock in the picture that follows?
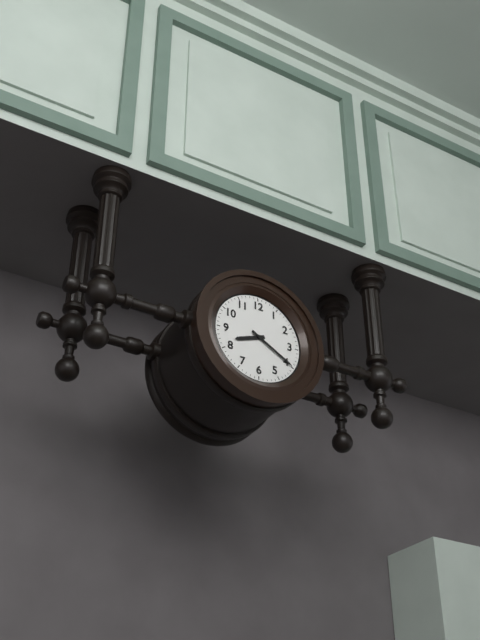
8:20
